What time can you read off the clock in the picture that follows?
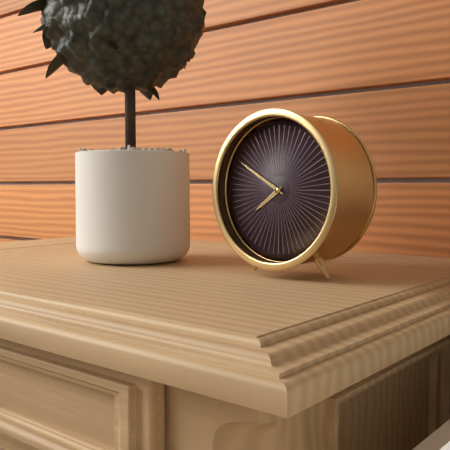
7:50
